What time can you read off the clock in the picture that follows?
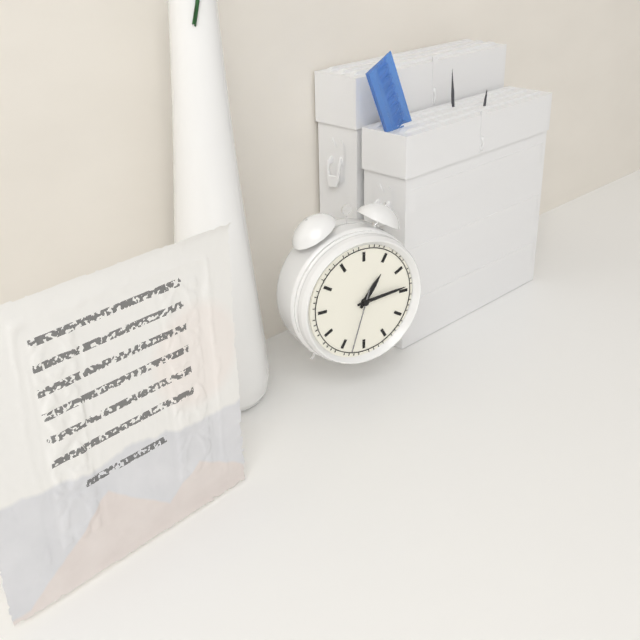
1:14:33
